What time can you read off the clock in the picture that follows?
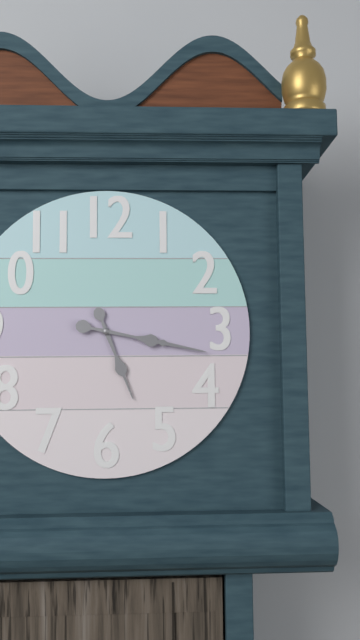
5:17
